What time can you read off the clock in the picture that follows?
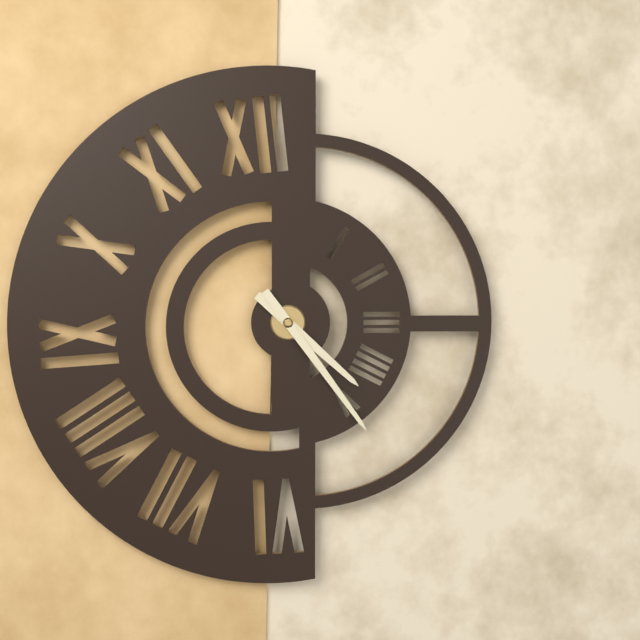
4:24
